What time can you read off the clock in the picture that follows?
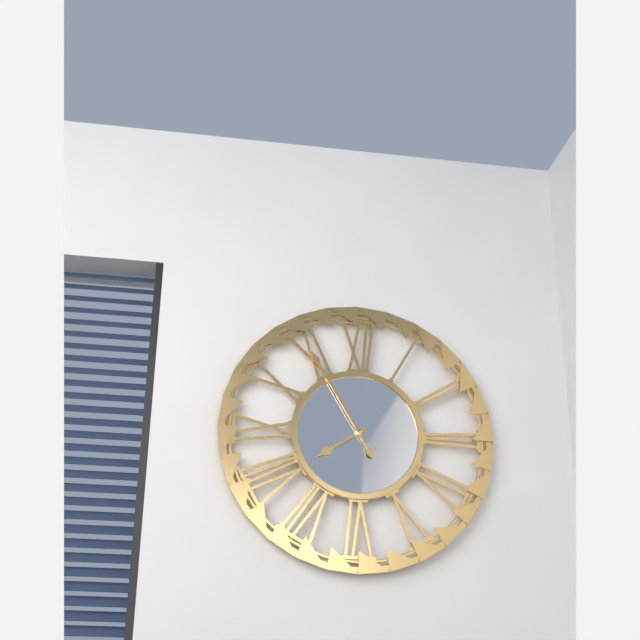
7:55
